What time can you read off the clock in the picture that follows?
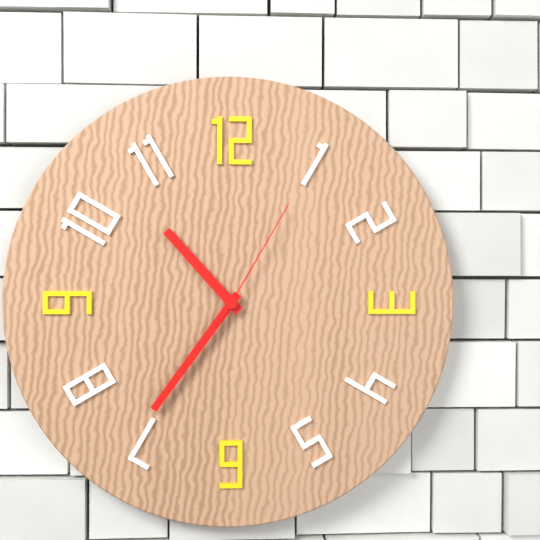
10:36:05
